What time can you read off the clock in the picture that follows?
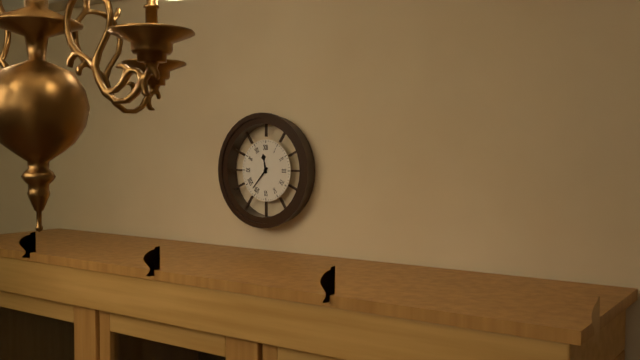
11:37
